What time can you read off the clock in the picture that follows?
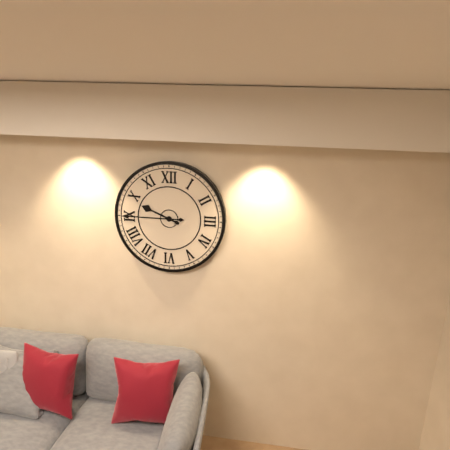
9:45
